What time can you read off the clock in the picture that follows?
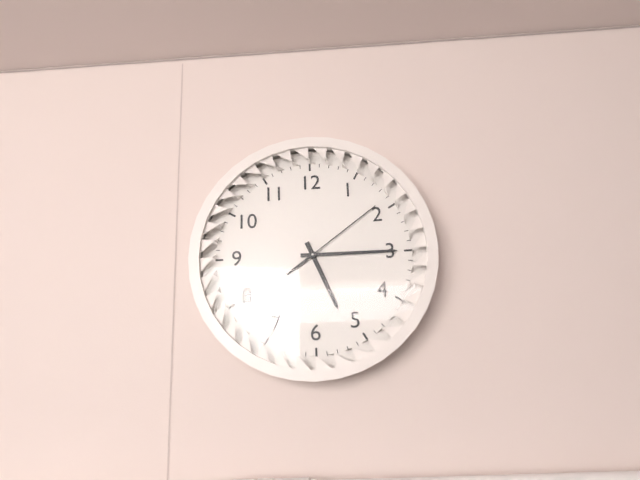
5:15:09
